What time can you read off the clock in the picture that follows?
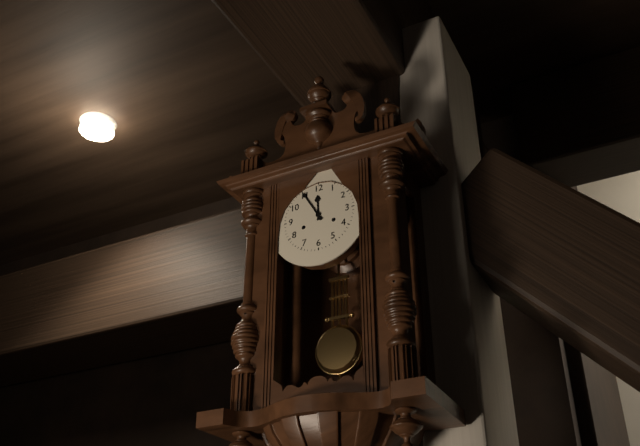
11:55
